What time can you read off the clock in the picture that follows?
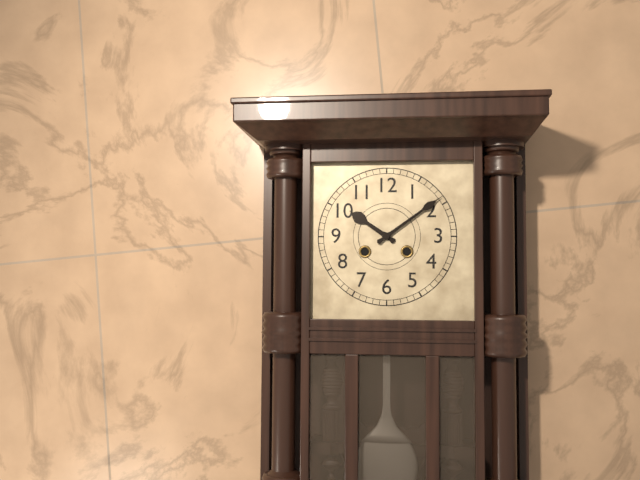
10:09
